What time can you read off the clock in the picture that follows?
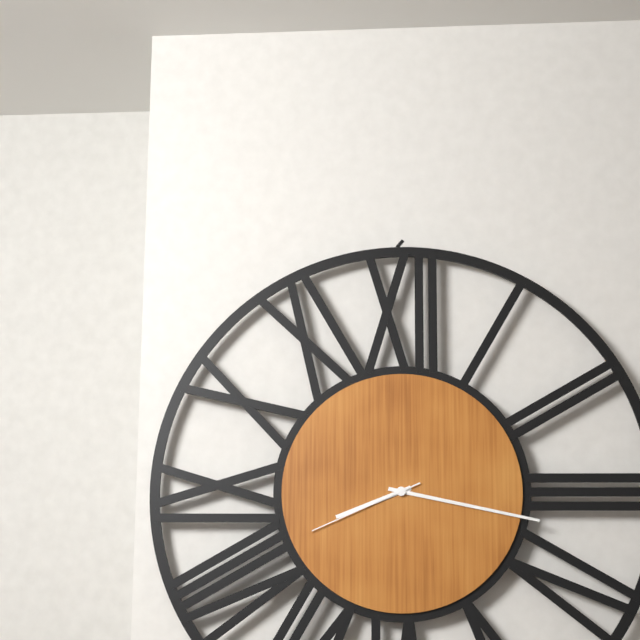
8:17:41
